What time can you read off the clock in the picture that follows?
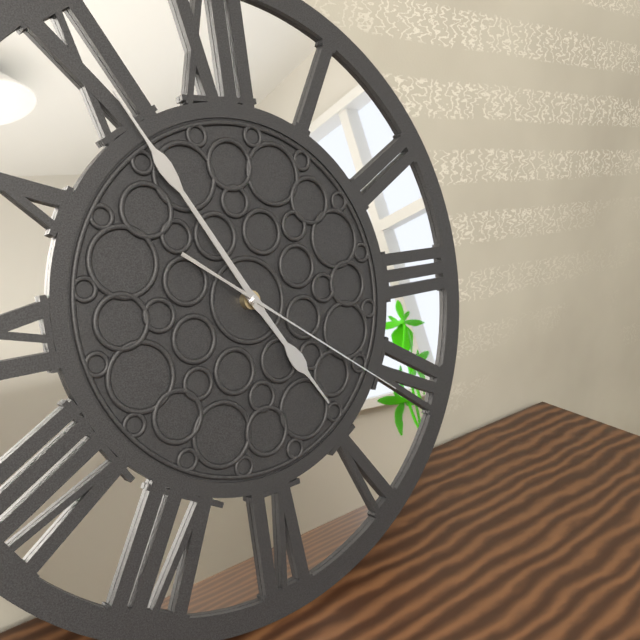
4:55:21
